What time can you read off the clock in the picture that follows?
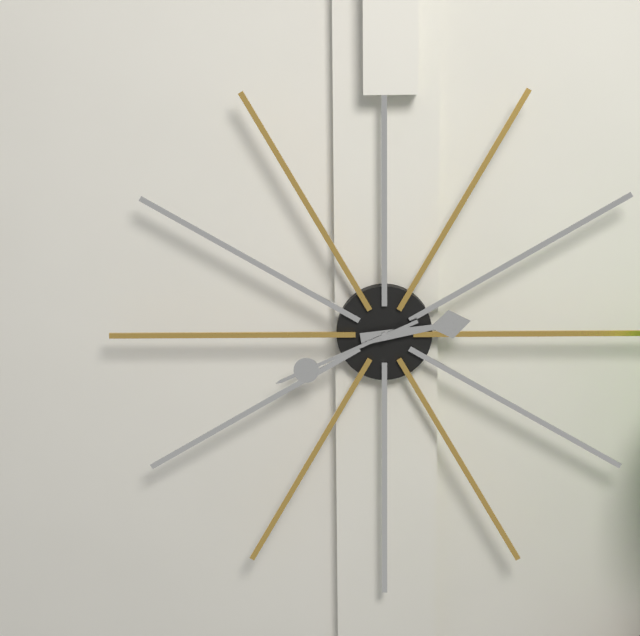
2:41
